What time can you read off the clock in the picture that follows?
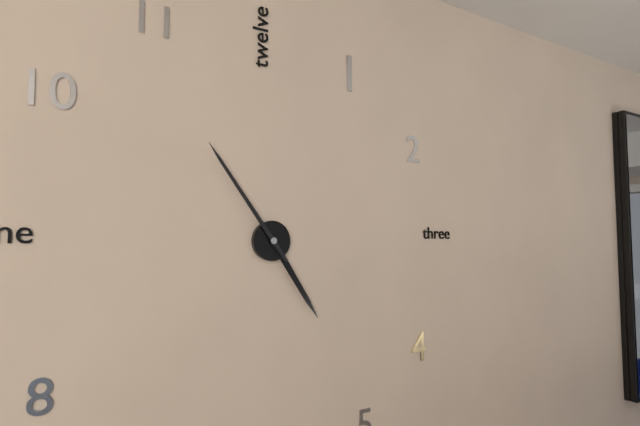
4:54
